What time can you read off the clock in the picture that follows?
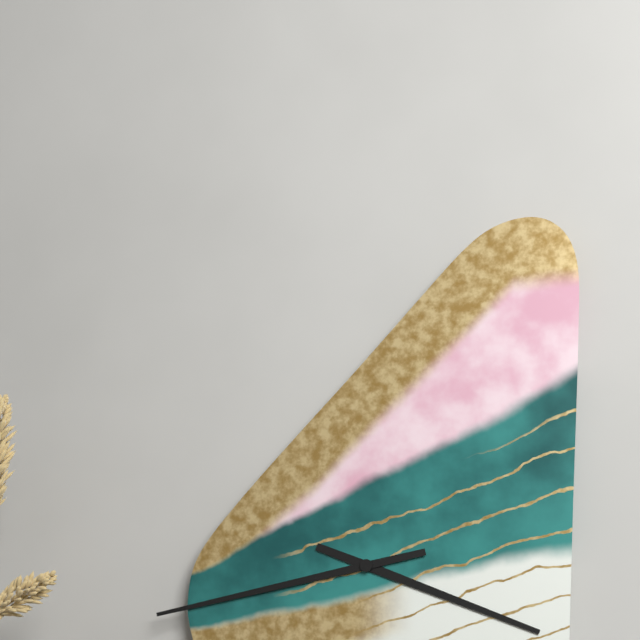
3:43
